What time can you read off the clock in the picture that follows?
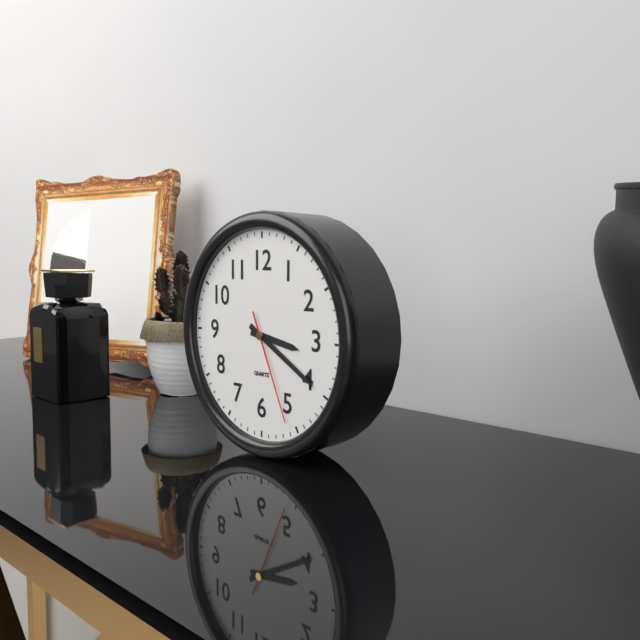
3:20:26
